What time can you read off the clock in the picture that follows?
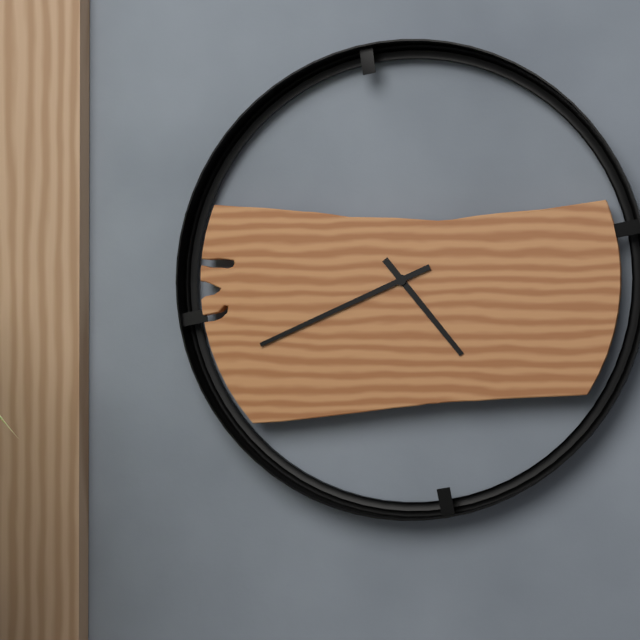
4:41
